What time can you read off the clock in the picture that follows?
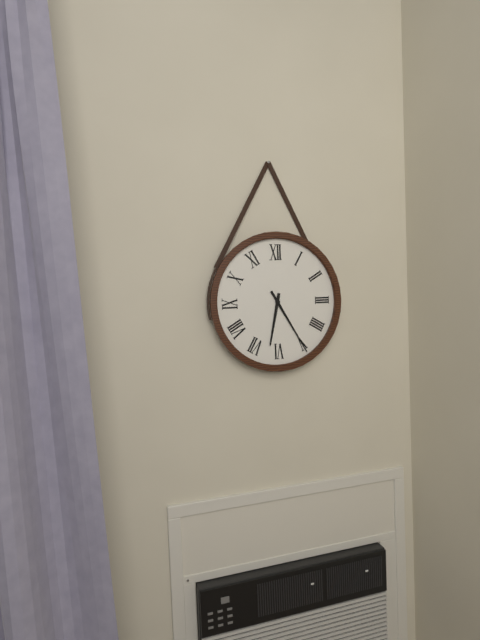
6:25
